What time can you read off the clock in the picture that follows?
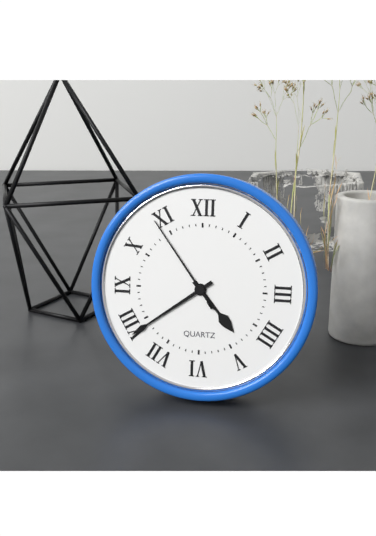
4:39:54
